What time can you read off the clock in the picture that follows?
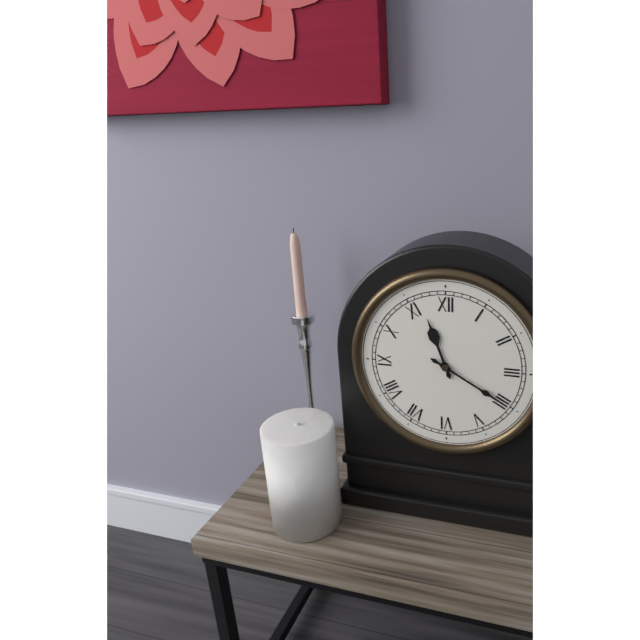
11:20
